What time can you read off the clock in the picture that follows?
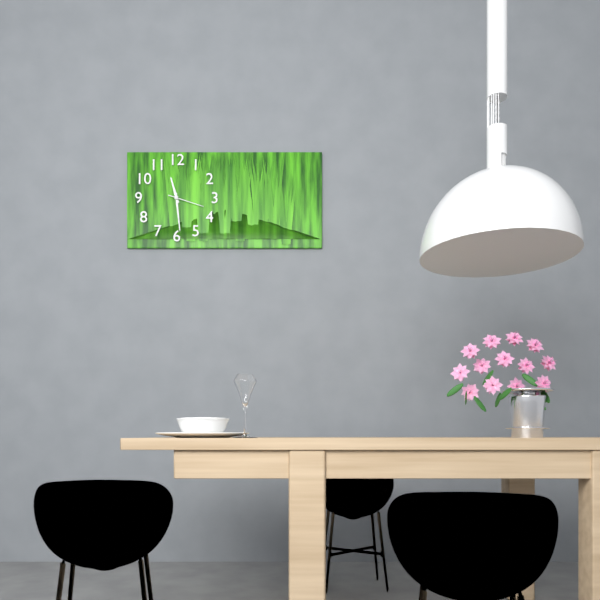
11:29
